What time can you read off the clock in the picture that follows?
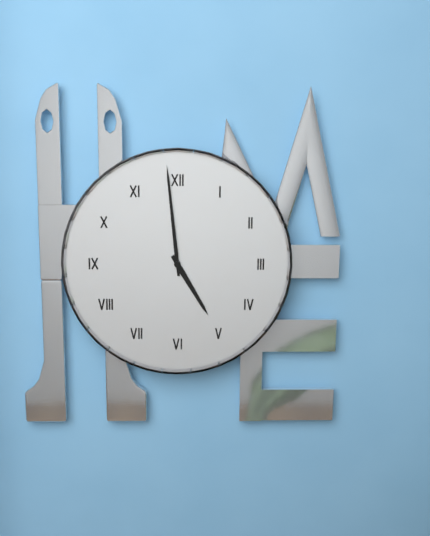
4:59
